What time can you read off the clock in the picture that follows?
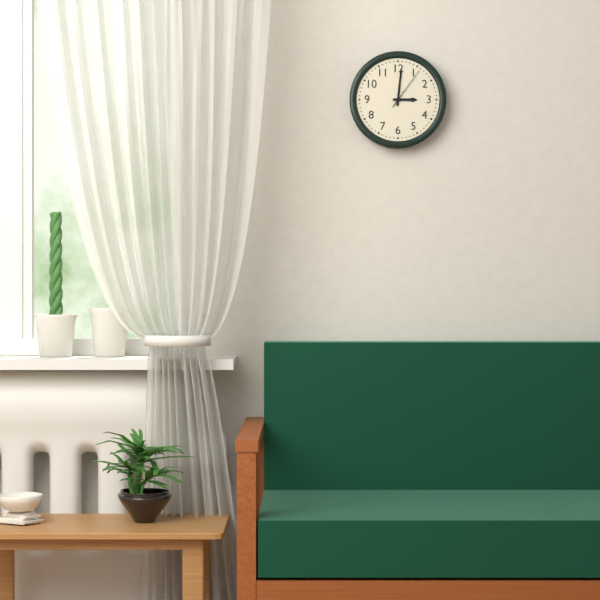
3:01
